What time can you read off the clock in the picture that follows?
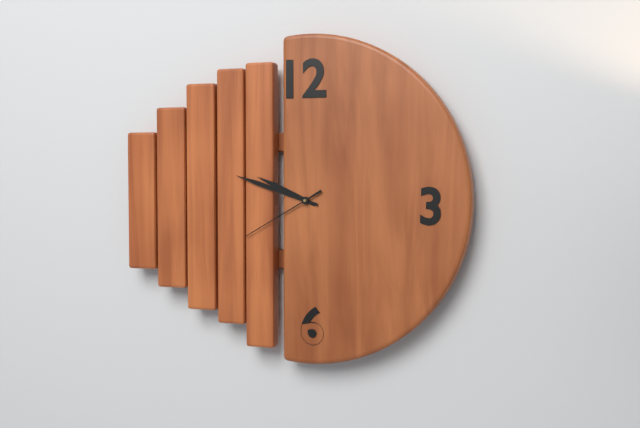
9:48:40
